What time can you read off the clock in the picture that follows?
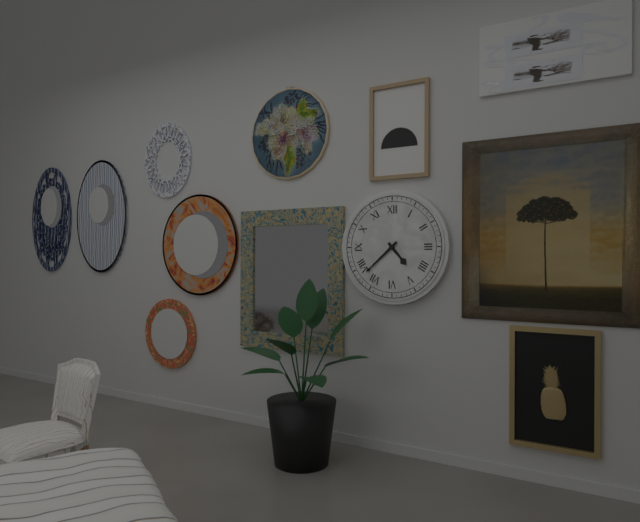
4:38
